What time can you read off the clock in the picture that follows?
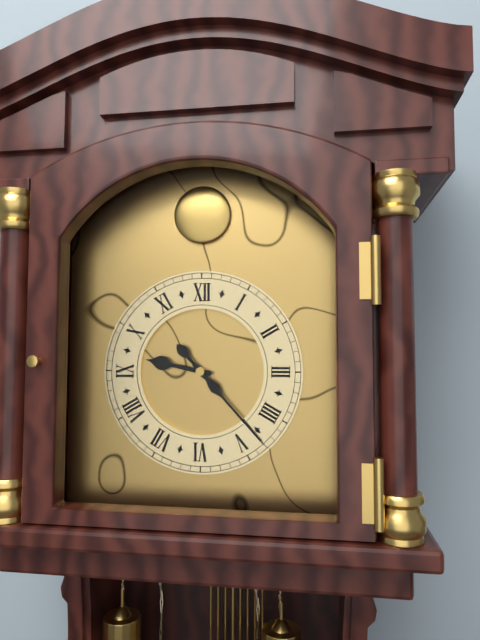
9:23
